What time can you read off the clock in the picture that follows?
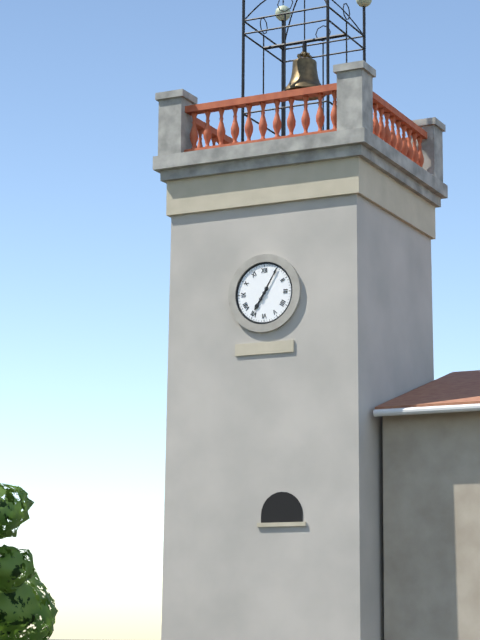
7:05
